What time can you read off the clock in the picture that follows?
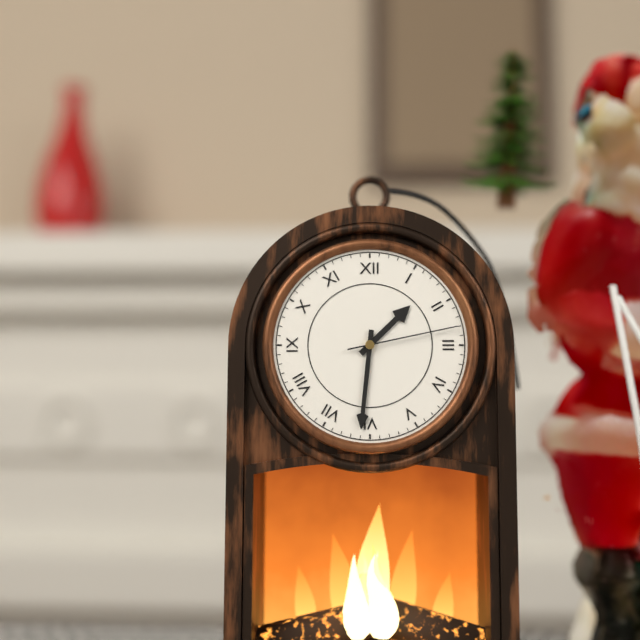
1:31:13
